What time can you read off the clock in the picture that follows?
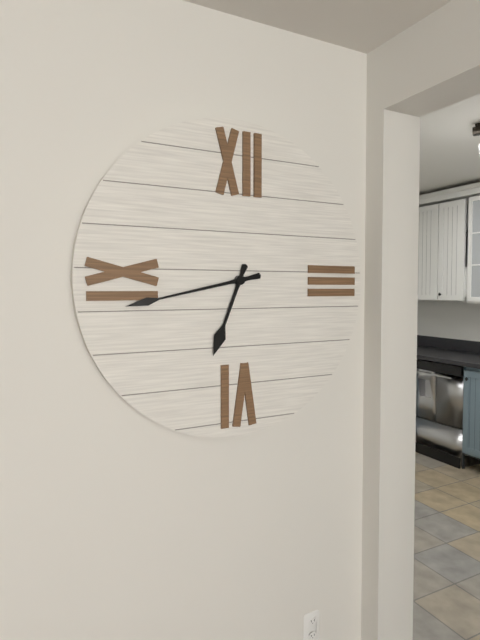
6:43
